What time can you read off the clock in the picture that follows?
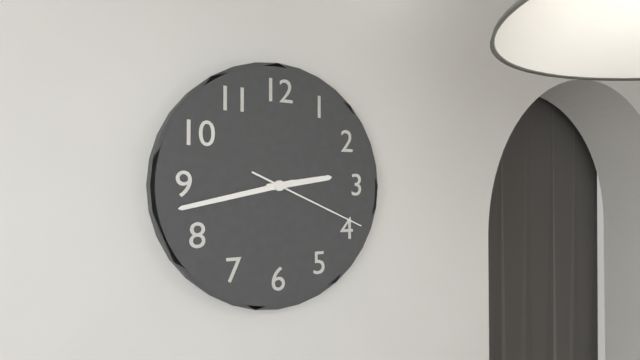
2:43:19
